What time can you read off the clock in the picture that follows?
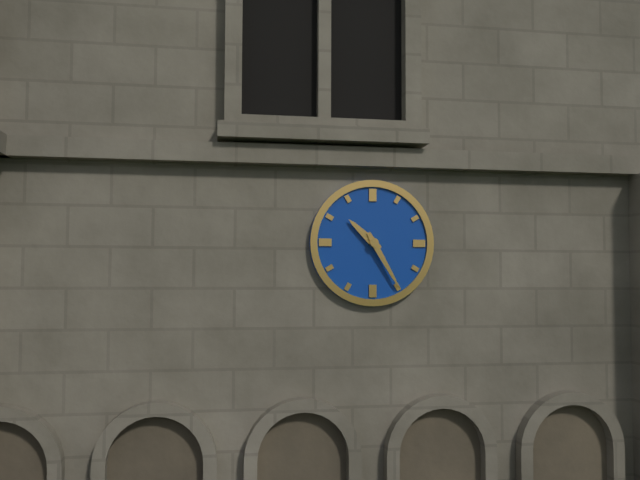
10:25
